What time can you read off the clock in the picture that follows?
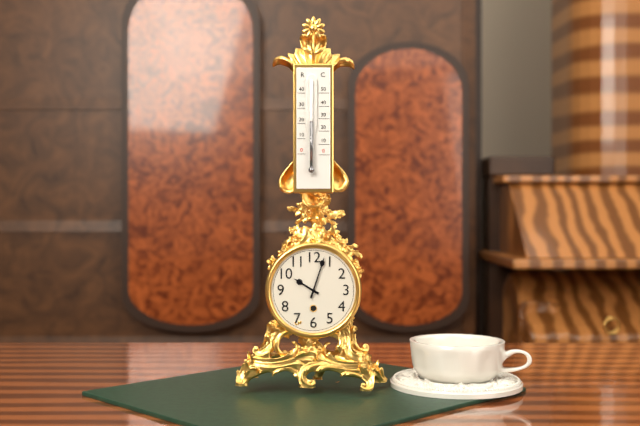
10:03
